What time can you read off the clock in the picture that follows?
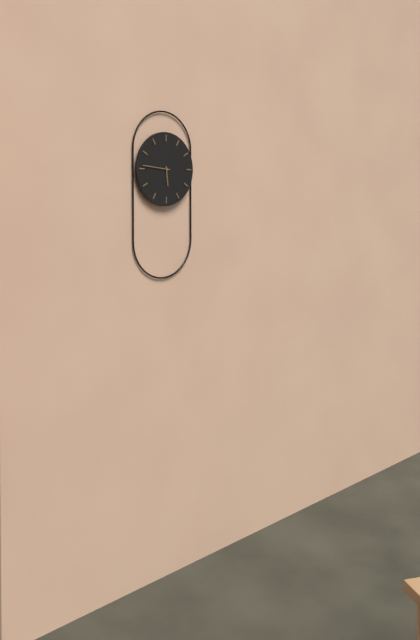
5:46
